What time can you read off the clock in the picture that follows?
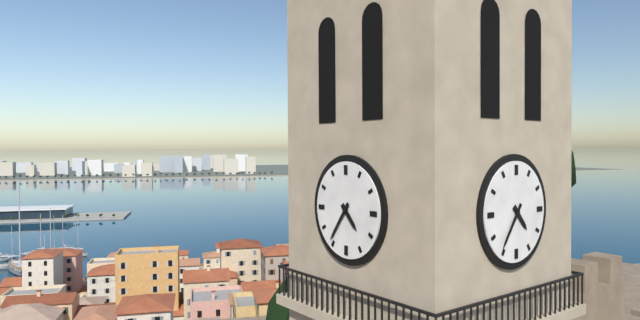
4:36
